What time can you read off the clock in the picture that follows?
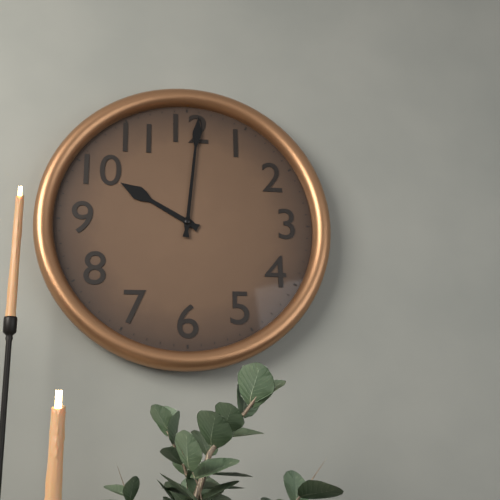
10:01
